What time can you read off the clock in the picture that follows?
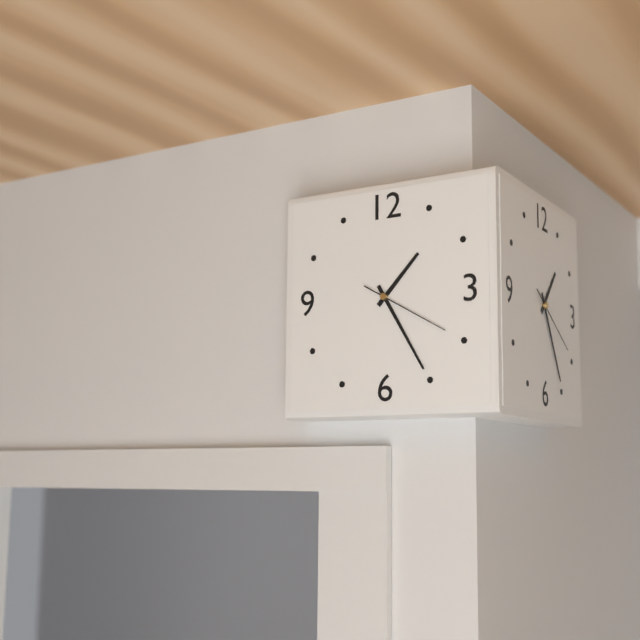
1:25:20
